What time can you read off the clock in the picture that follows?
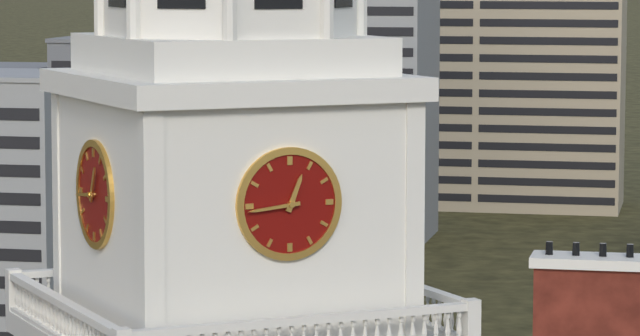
12:44
